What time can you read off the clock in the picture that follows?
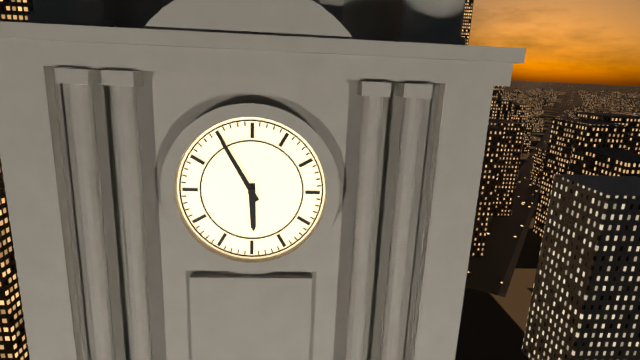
5:55
